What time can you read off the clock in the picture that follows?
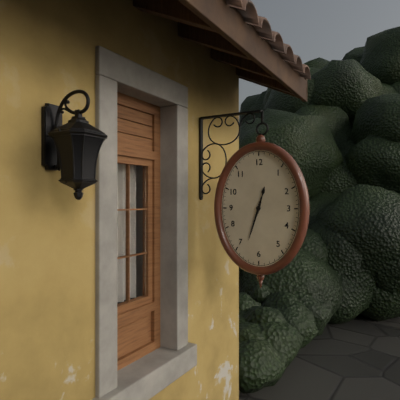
12:33
